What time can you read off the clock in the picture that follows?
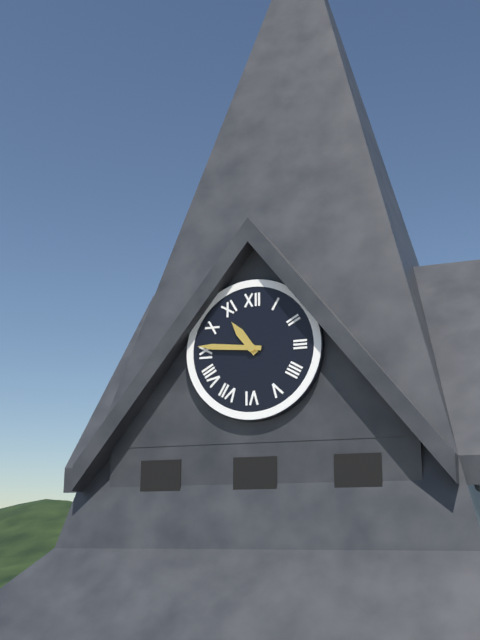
10:46
